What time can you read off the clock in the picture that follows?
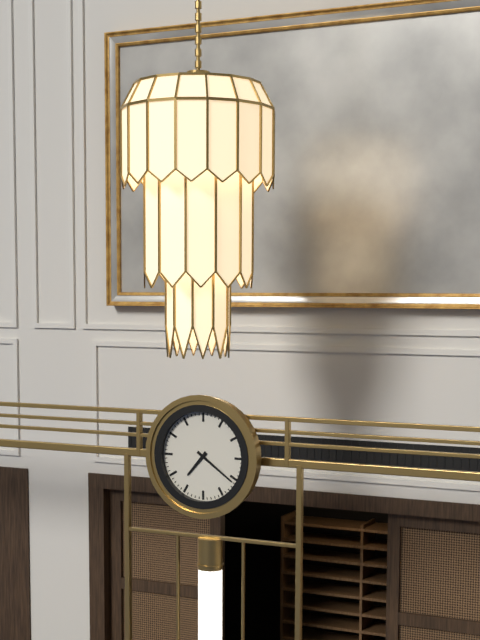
7:21
